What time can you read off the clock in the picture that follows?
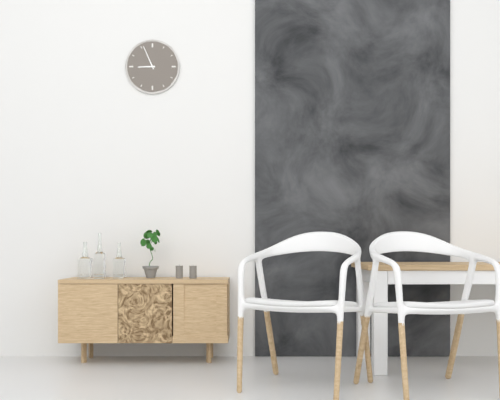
8:56
